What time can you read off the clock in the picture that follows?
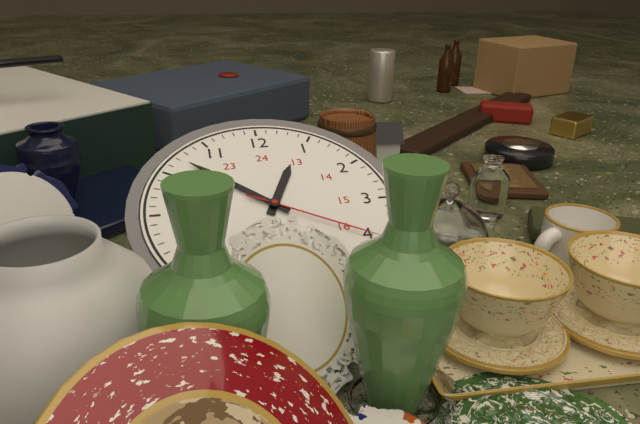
12:52:20
